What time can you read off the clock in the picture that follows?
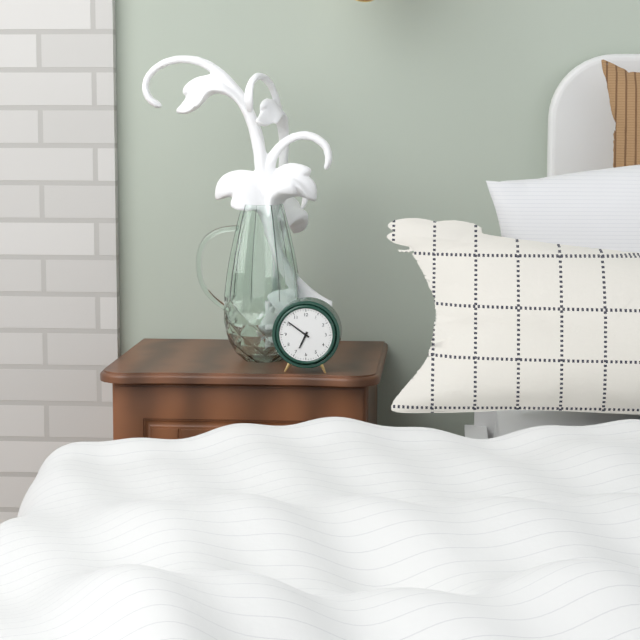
6:51
